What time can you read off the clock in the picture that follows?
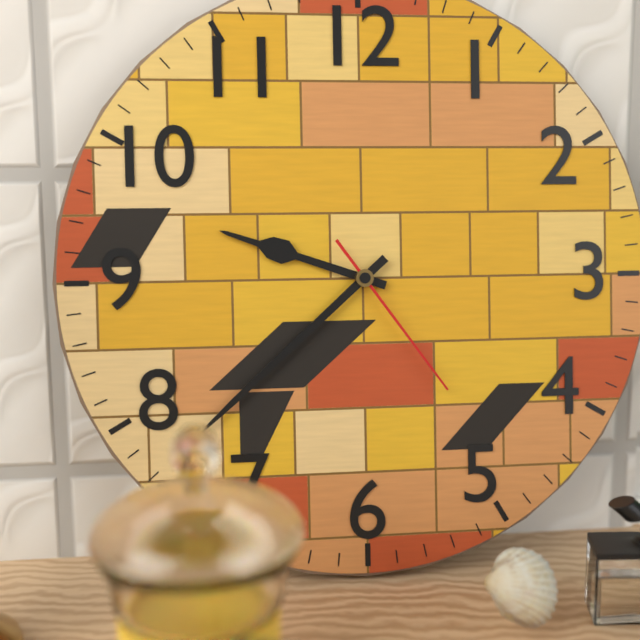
9:38:24
